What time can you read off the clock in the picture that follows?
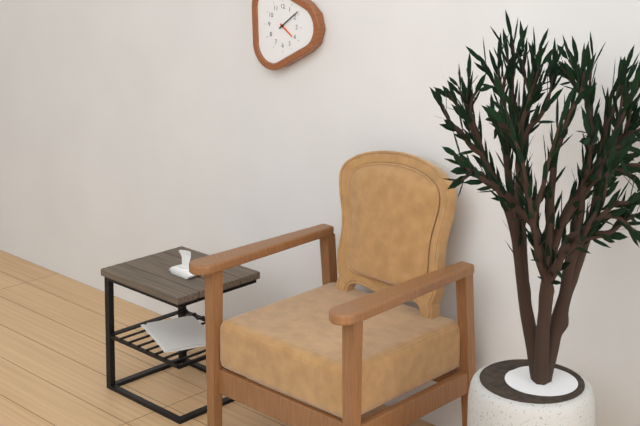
4:09
